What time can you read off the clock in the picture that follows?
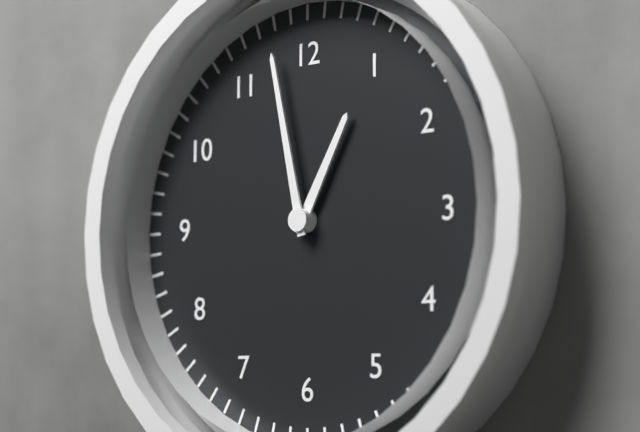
12:58
